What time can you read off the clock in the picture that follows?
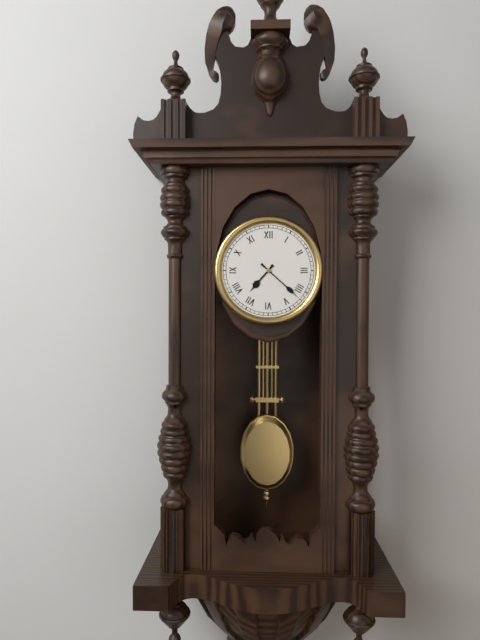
7:22
